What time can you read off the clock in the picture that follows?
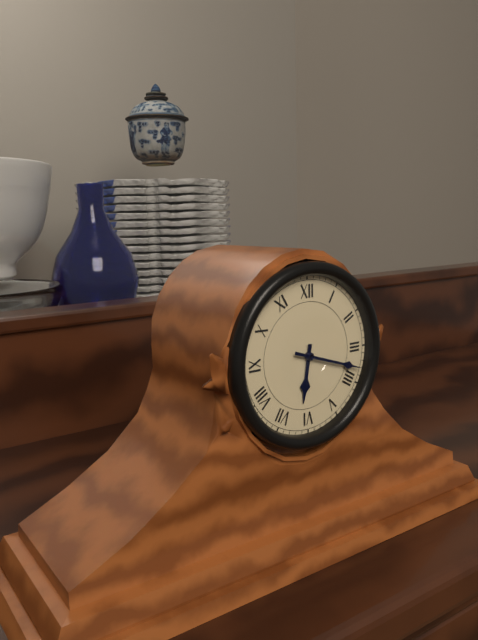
6:18
